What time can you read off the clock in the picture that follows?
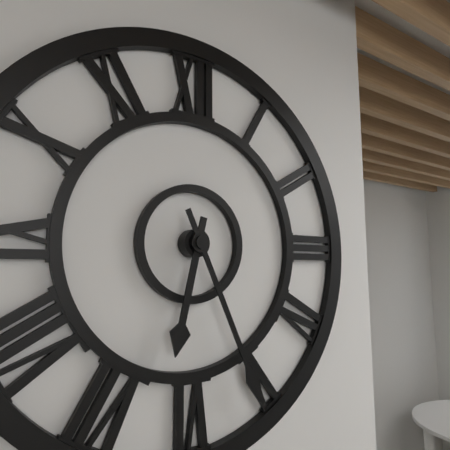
6:26
